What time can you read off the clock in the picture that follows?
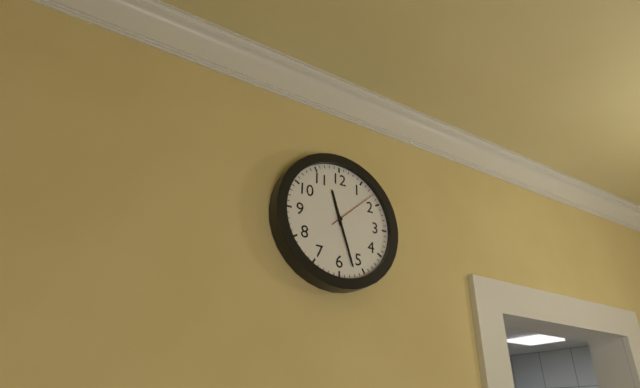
11:27
